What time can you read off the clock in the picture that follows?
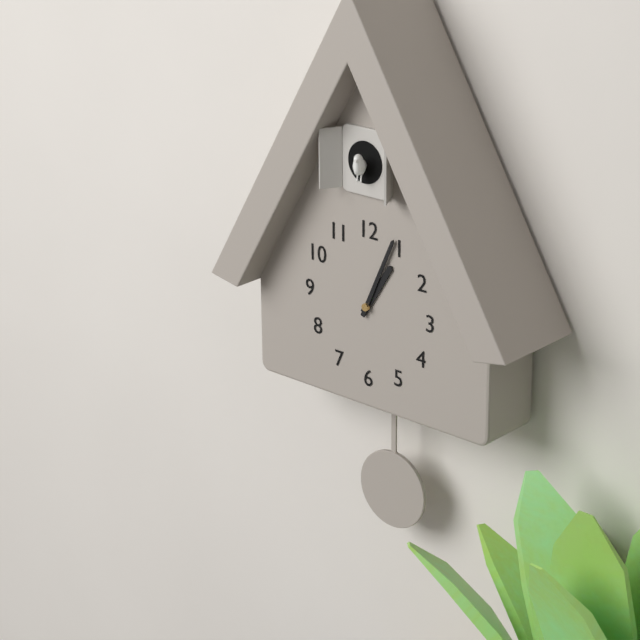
1:04
